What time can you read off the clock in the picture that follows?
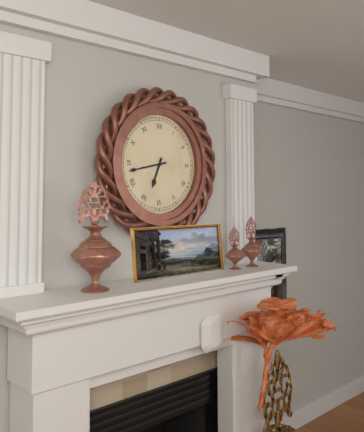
6:43
